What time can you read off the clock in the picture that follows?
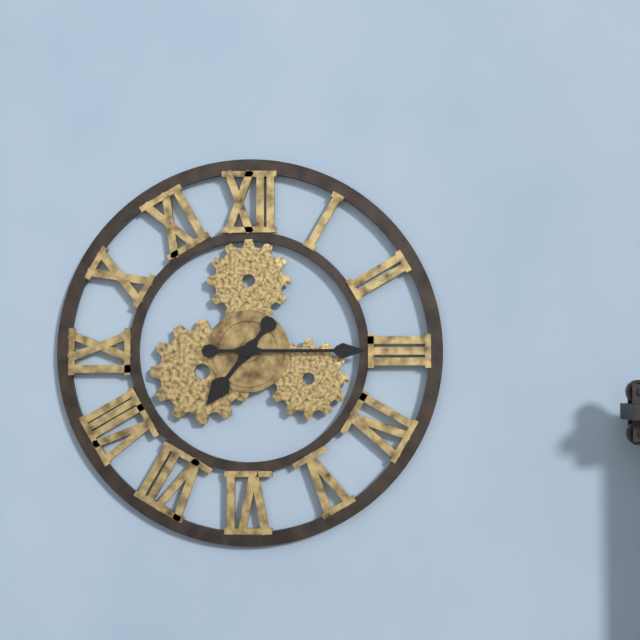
7:15
